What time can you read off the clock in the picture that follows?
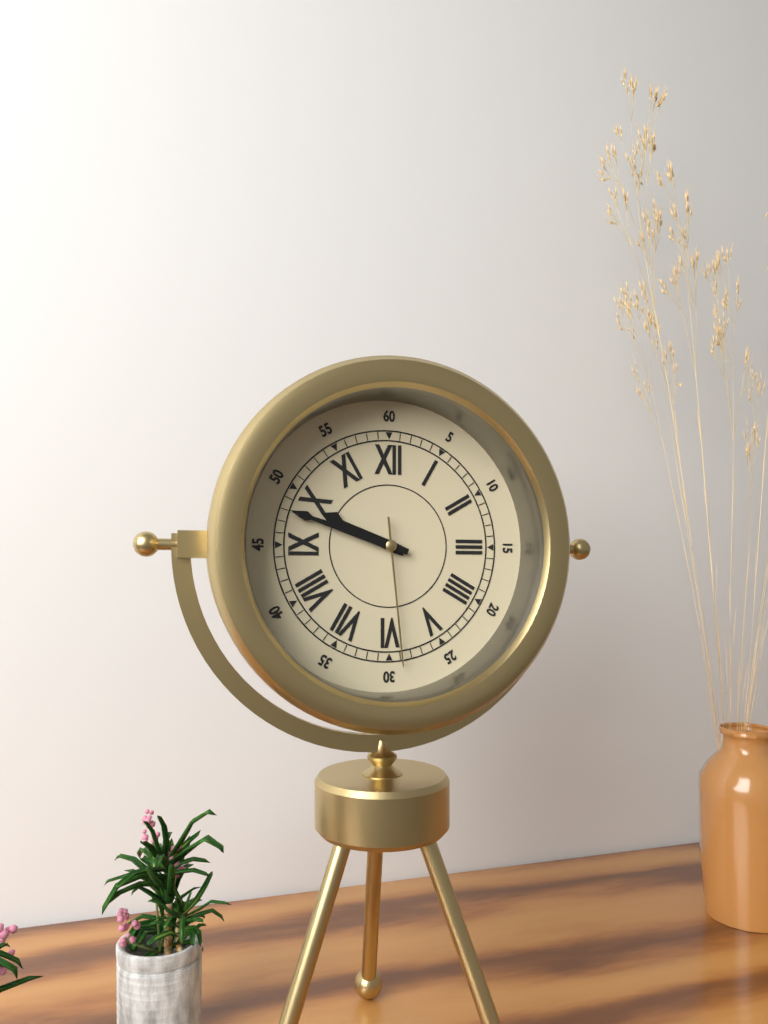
9:48:29
